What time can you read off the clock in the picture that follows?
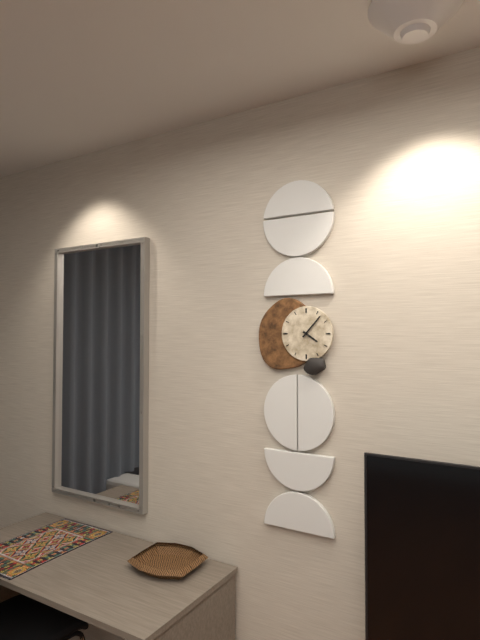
4:07
